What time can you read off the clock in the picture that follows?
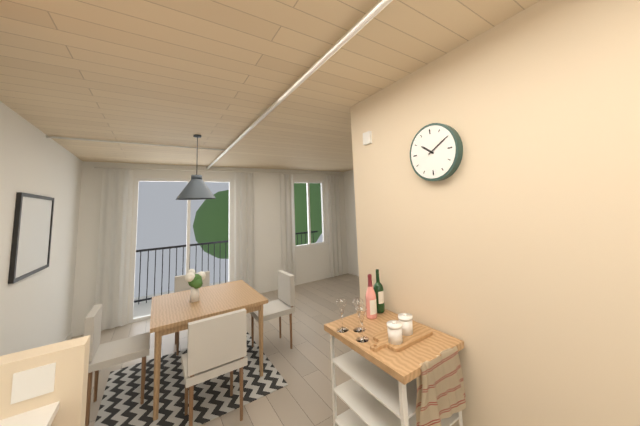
10:10
